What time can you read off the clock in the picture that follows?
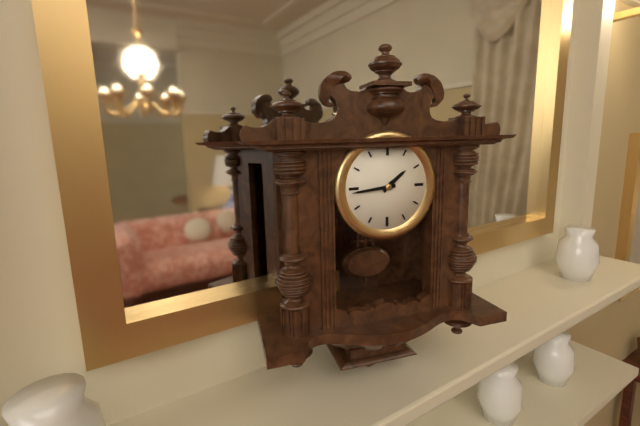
1:44
